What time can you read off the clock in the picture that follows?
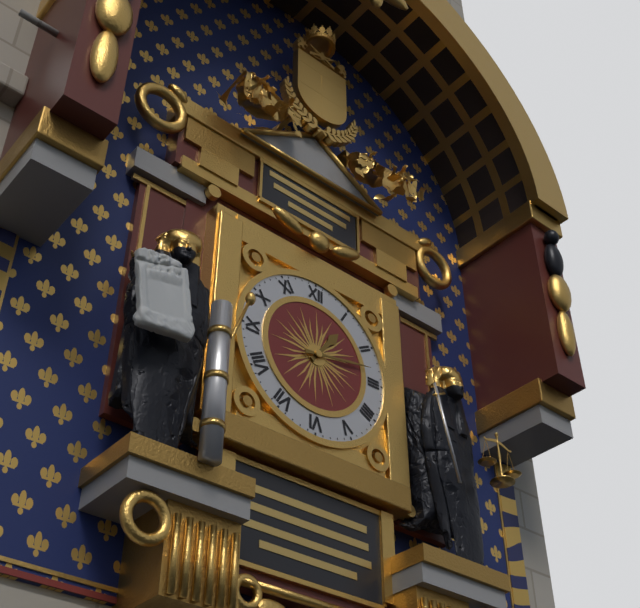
1:13
